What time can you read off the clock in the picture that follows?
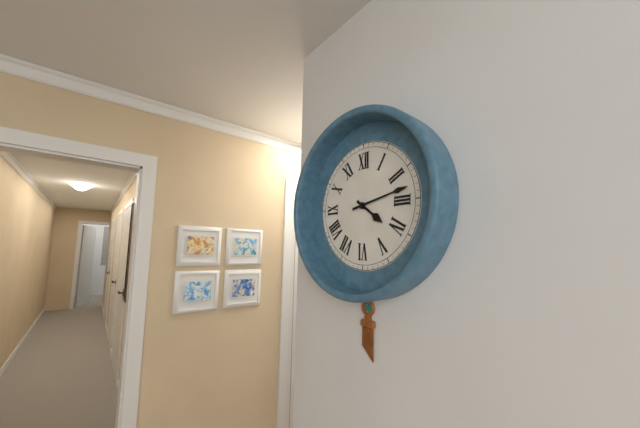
4:13
